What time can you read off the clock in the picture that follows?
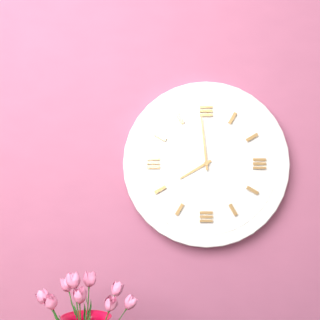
7:59
